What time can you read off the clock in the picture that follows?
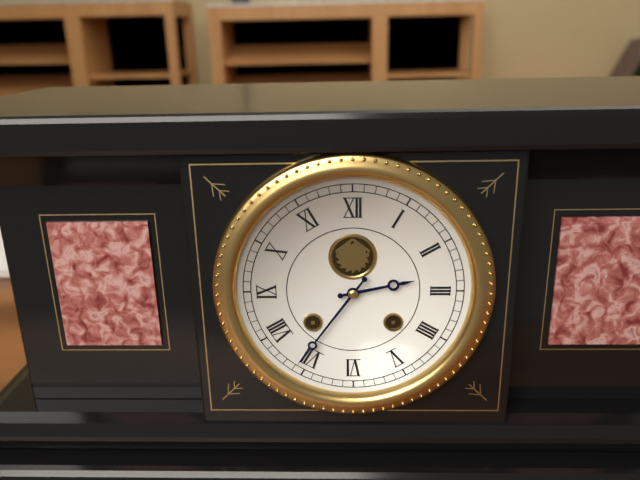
2:36
